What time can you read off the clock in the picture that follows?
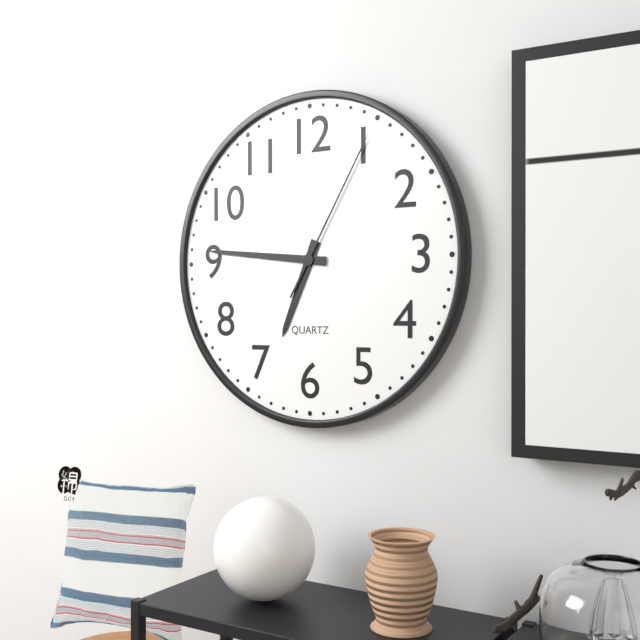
6:46:05
